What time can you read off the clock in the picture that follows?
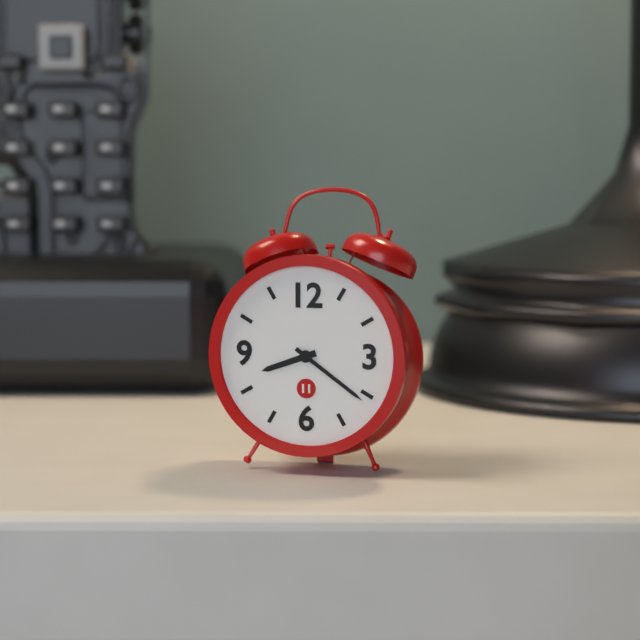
8:21
